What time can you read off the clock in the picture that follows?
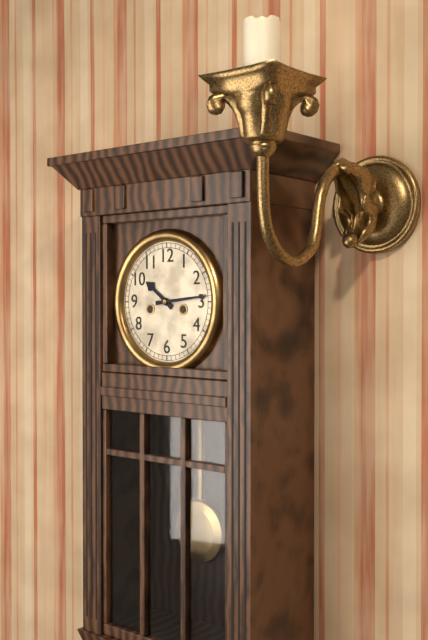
10:14
